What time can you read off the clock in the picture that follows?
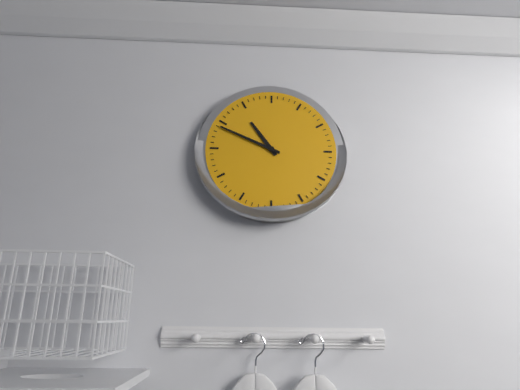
10:49
